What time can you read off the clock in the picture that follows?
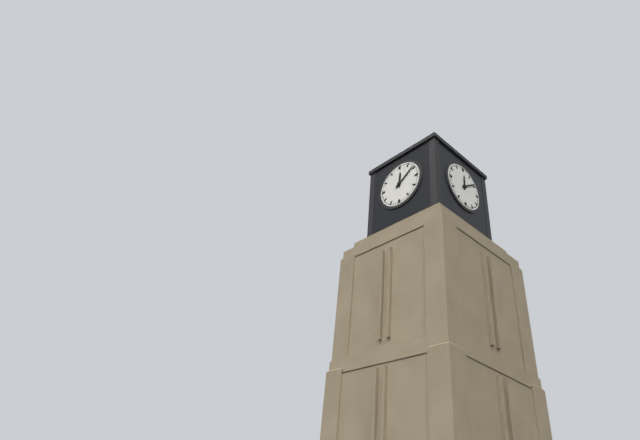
12:09
